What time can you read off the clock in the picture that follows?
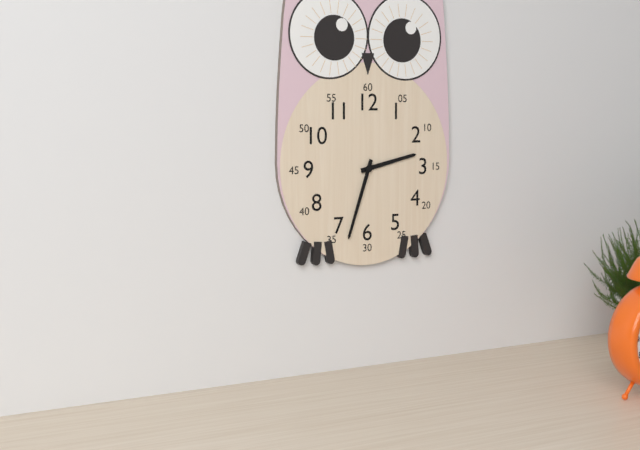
2:33
